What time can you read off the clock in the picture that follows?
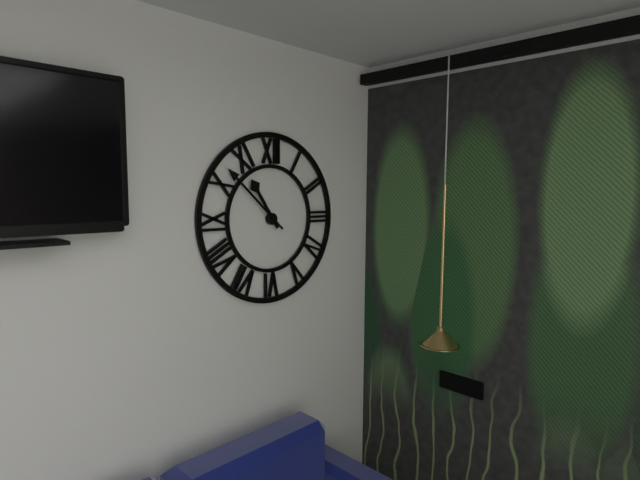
10:52
